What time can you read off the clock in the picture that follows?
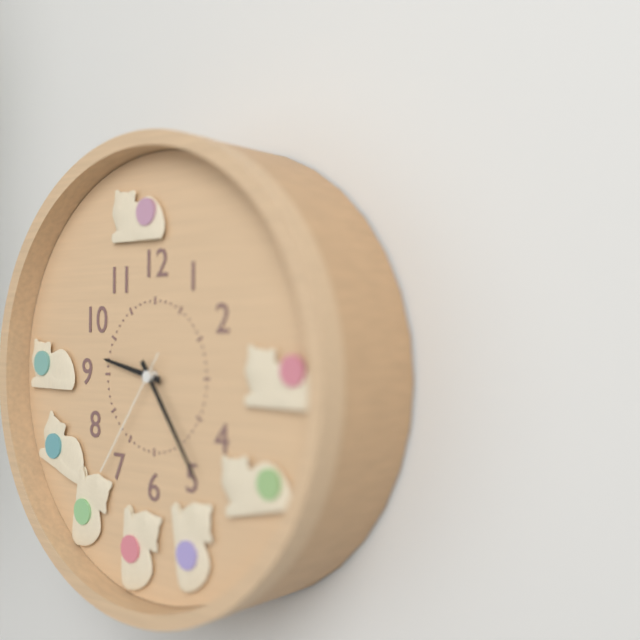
9:24:36
